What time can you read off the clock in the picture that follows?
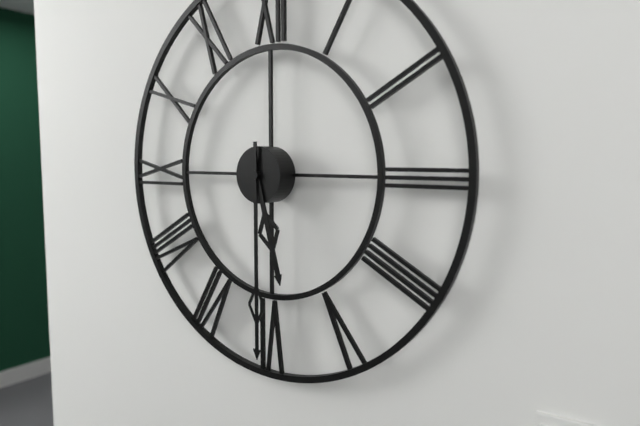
5:30
